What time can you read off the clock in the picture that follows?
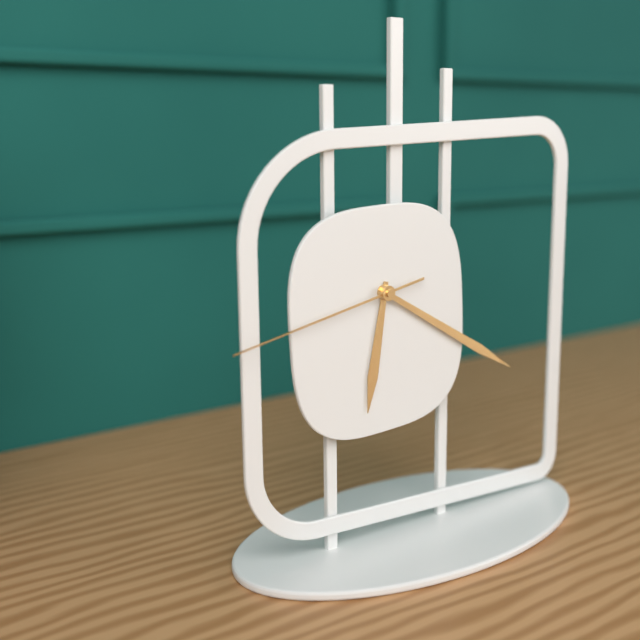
6:20:43
